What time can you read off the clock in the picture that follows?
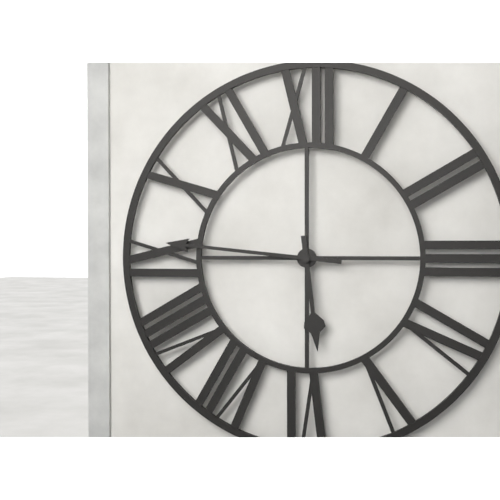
5:46
